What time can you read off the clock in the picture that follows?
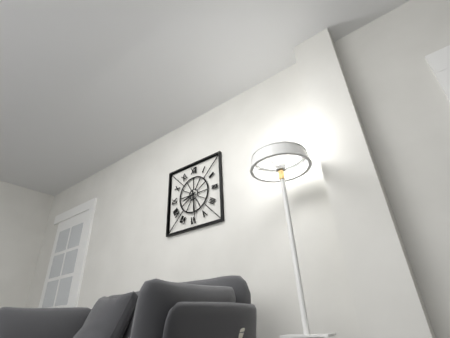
8:29
